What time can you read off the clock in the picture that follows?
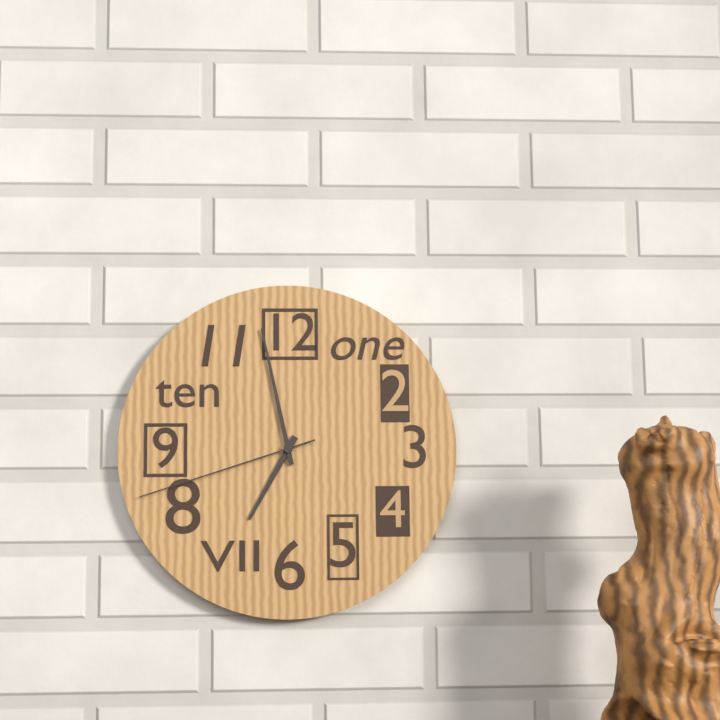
6:58:42
